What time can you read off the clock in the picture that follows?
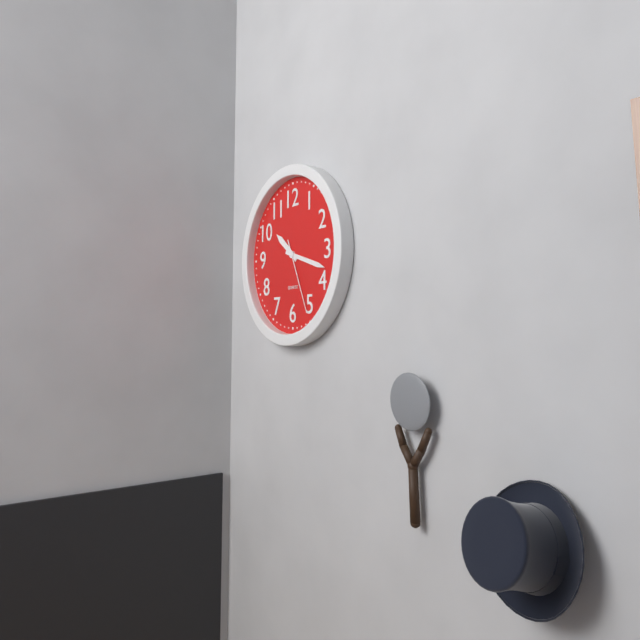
10:18:26
